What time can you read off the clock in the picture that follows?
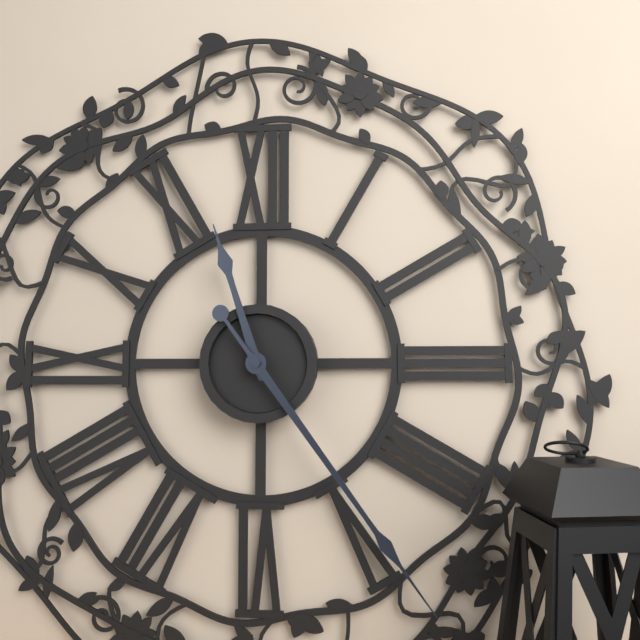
11:24
